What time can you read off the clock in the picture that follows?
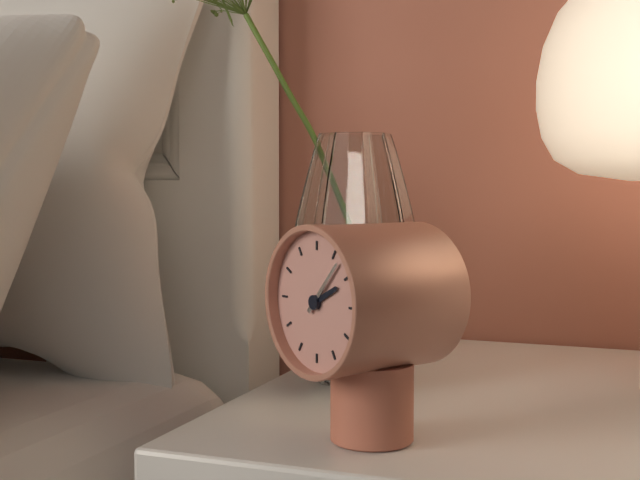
2:07
